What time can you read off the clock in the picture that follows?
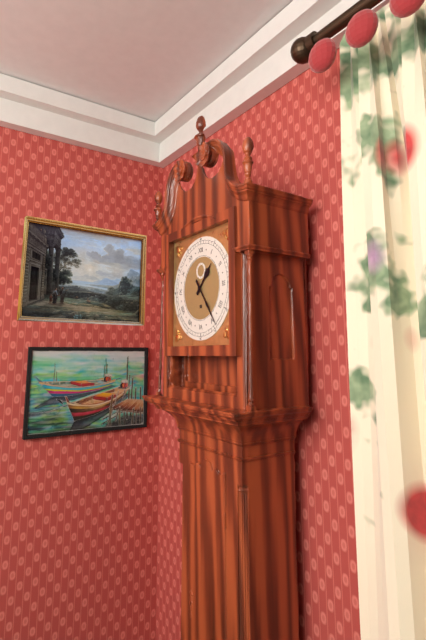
1:24
